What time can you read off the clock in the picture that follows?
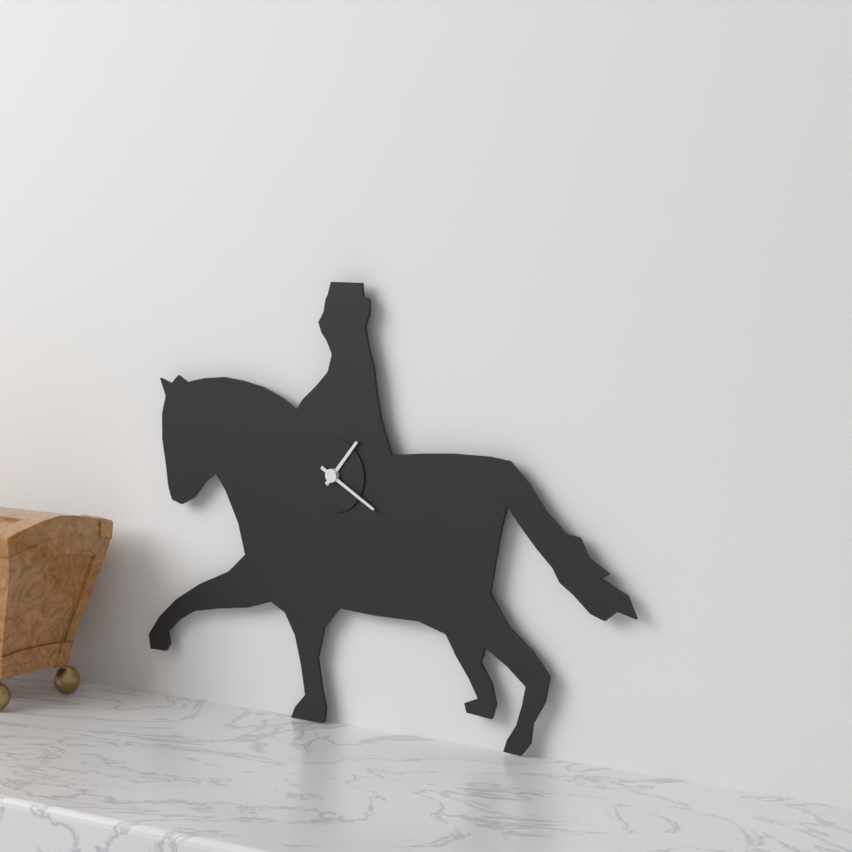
1:20
